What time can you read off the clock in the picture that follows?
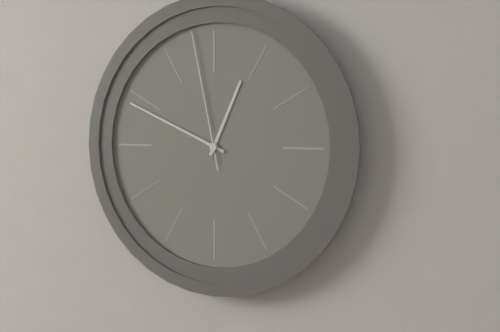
12:49:58
